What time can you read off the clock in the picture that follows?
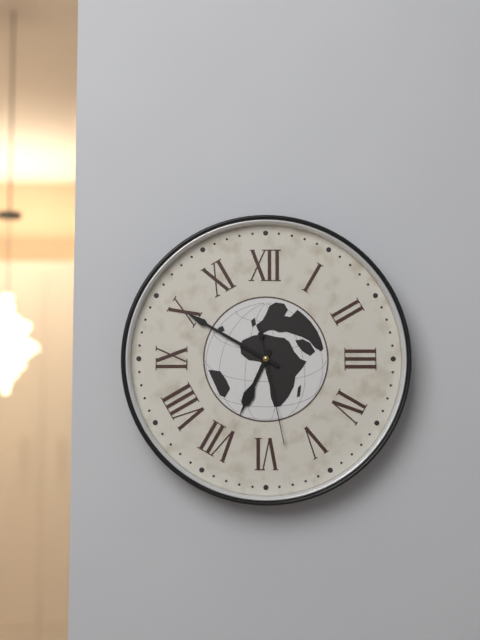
6:50:28
